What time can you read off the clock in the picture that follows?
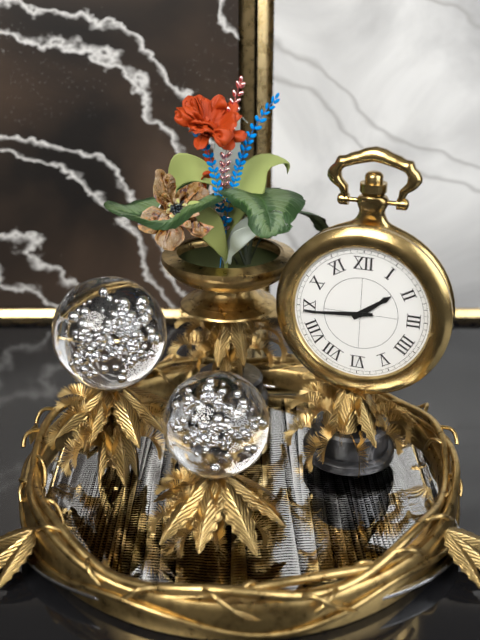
1:44
